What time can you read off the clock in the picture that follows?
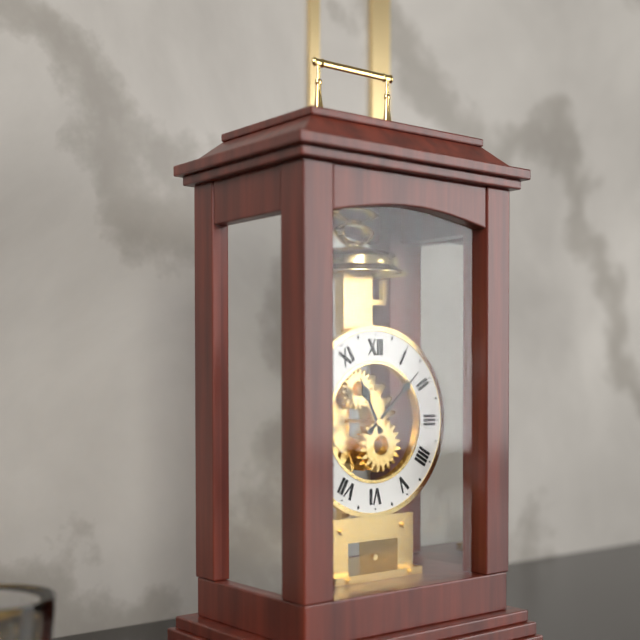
11:08
